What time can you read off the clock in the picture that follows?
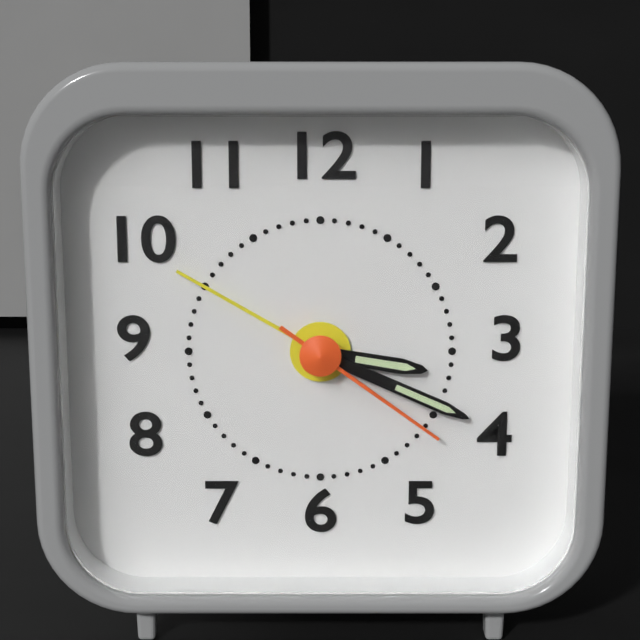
3:19:21
